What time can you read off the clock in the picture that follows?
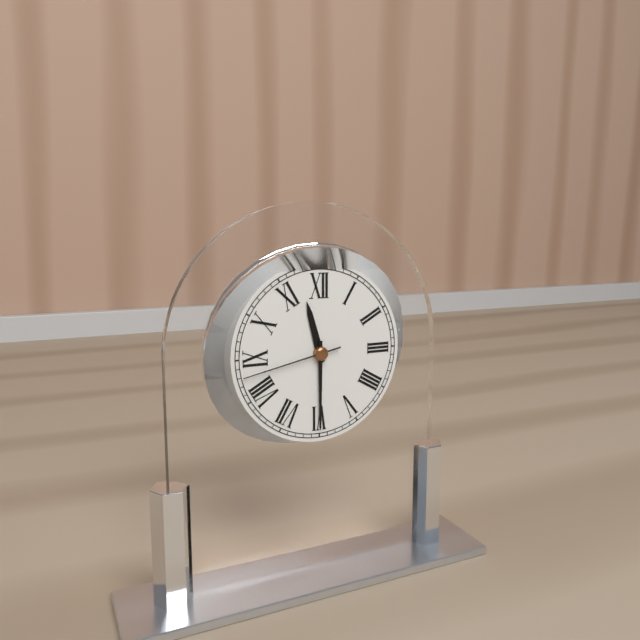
11:30:43
